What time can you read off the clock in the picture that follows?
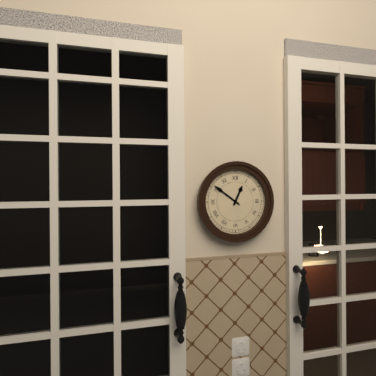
12:51
